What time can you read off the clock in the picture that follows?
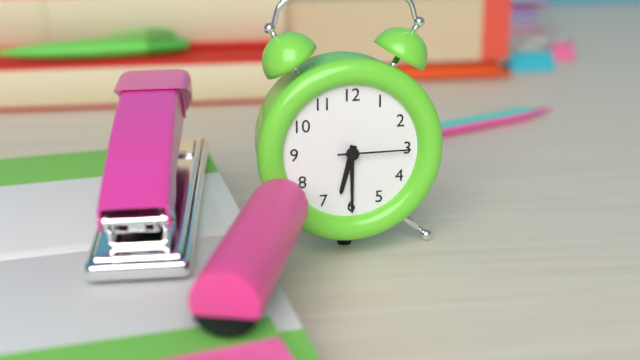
6:30:15
